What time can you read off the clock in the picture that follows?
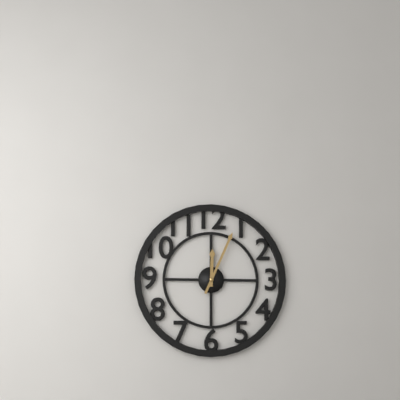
12:04
